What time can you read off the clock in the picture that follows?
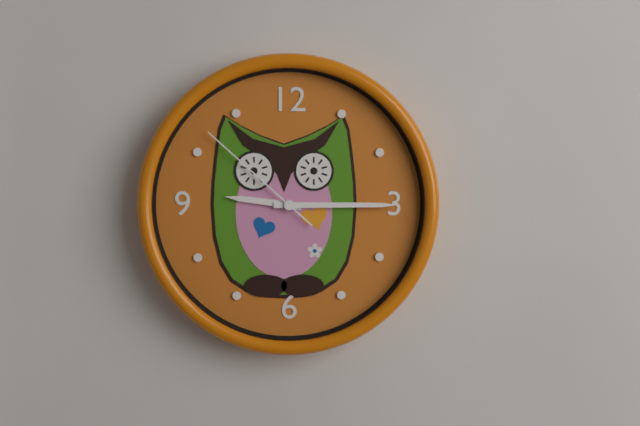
9:15:52
